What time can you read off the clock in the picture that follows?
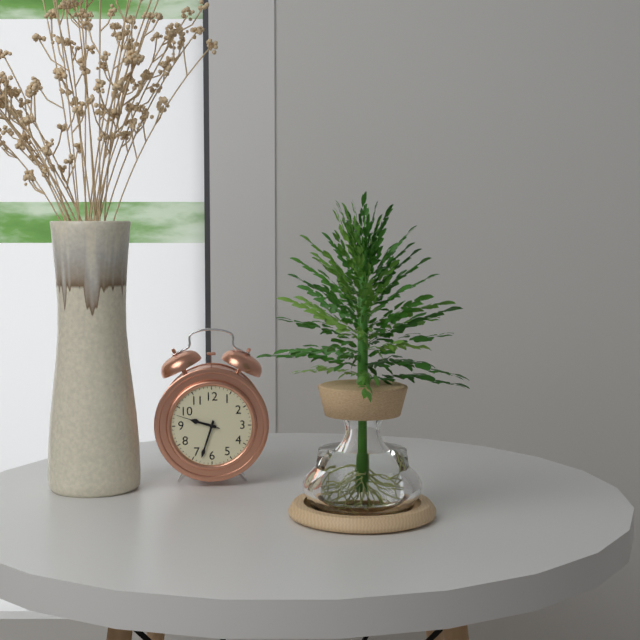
9:33
